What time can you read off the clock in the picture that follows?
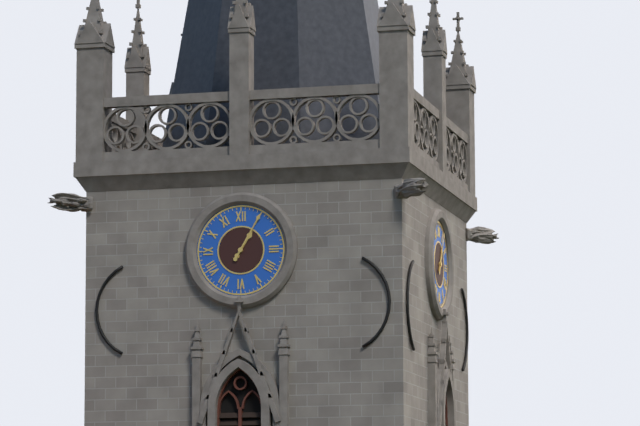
1:05
